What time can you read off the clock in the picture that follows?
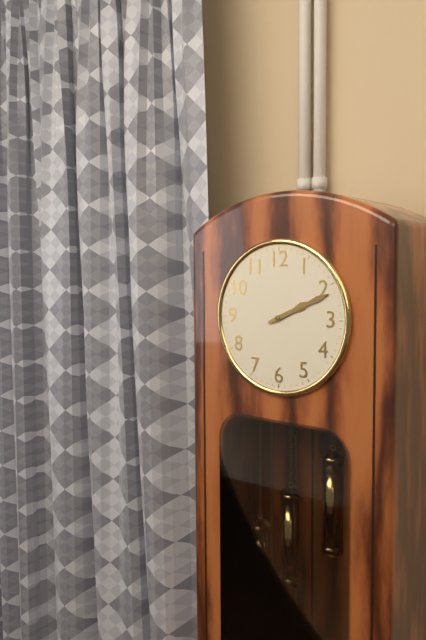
2:11
